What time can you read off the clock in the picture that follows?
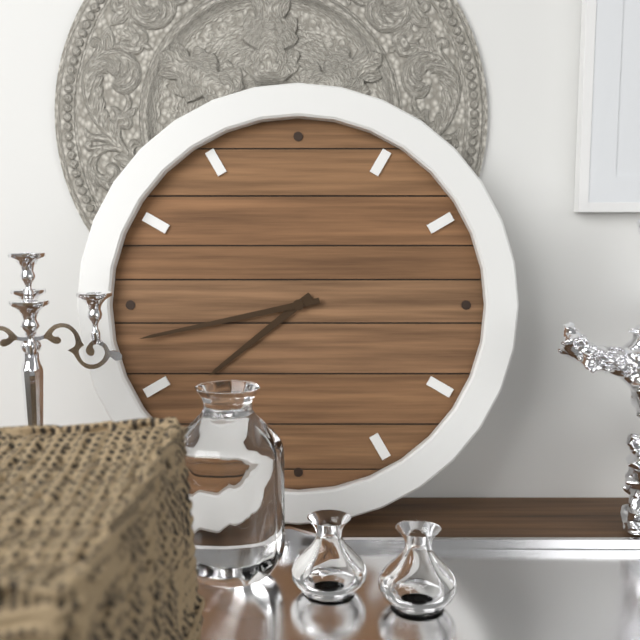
7:43
